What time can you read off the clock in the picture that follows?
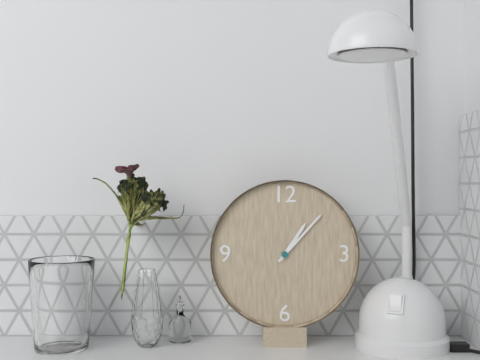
1:07
